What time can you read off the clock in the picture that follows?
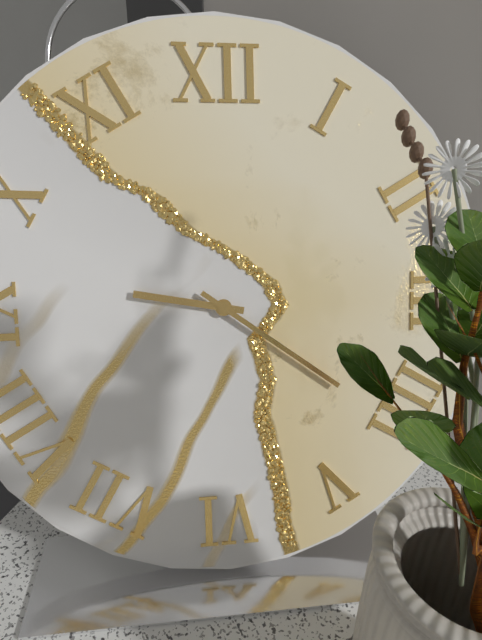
9:21
